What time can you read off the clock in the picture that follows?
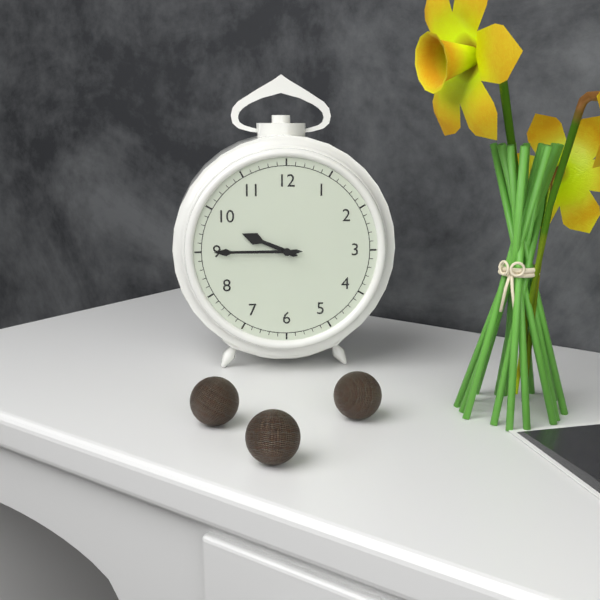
9:45
